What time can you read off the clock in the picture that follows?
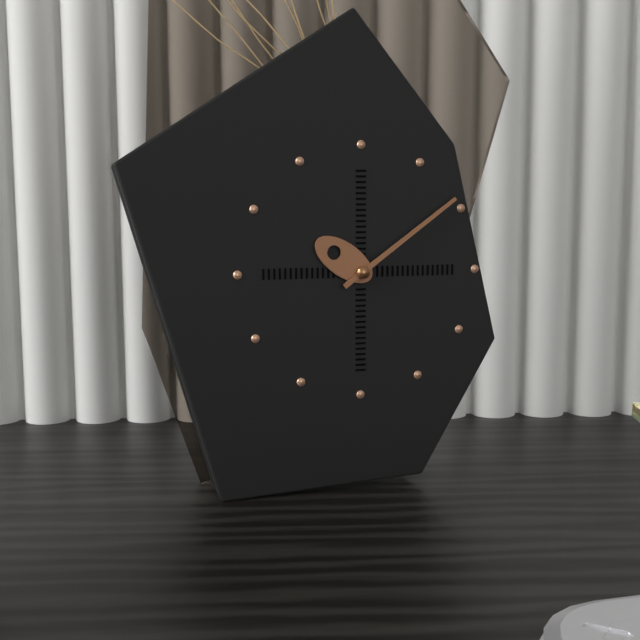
10:09
